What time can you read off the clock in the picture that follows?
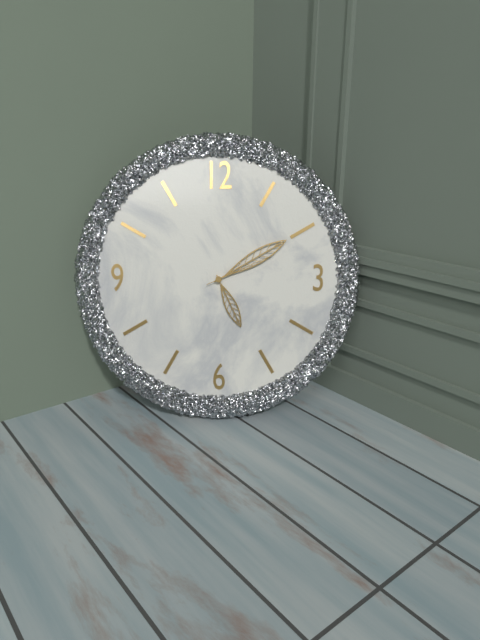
5:10:11
